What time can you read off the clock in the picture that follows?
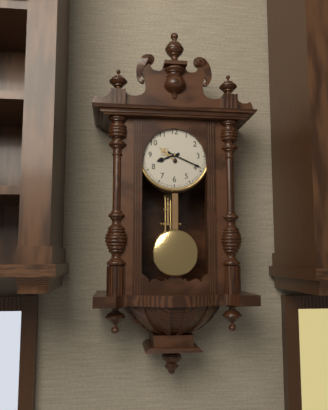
8:19
